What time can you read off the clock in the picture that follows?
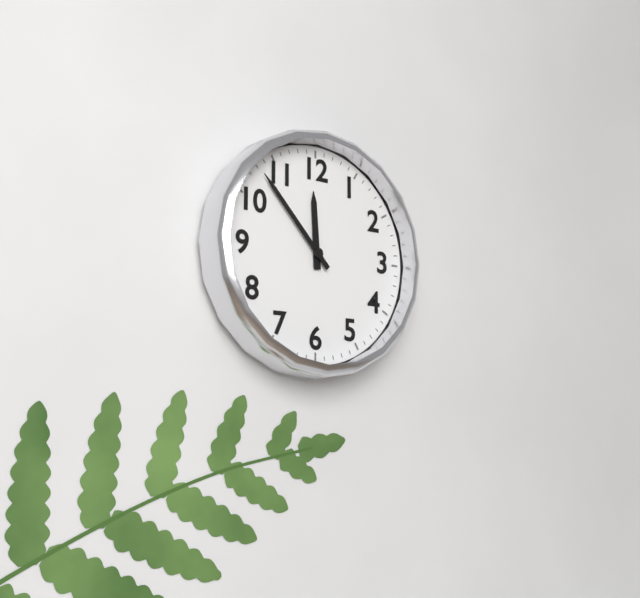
11:53
